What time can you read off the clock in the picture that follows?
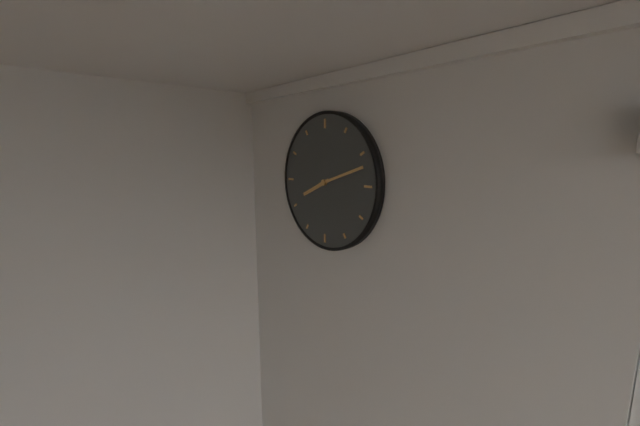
8:12
